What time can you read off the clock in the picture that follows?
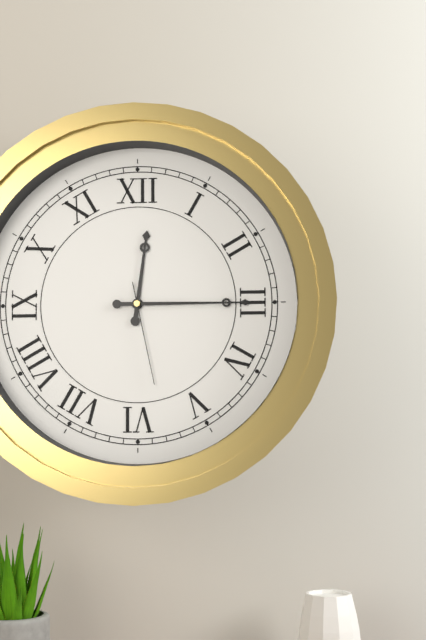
12:15:28
